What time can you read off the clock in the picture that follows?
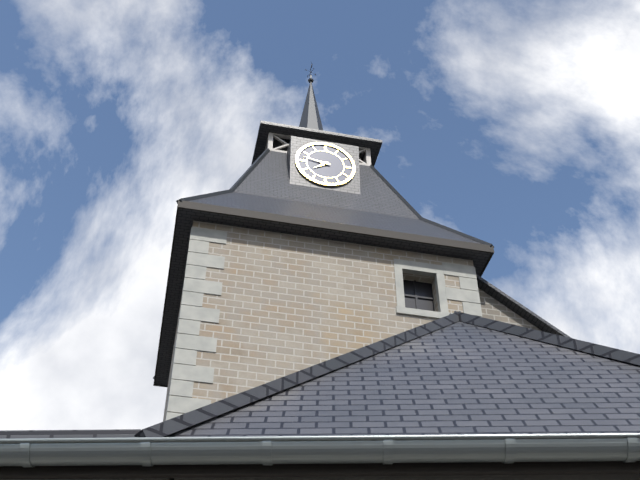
7:47
